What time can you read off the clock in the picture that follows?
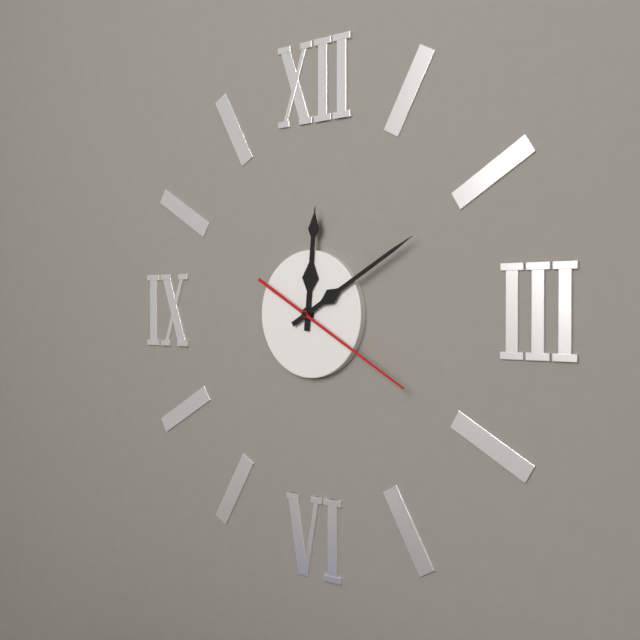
12:10:20
